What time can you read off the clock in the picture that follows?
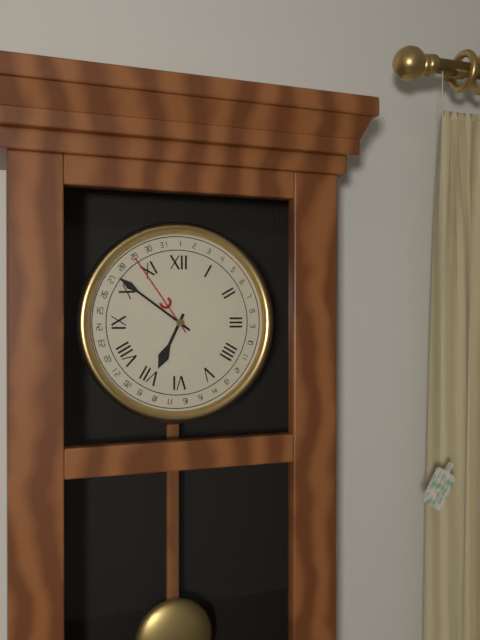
6:51
